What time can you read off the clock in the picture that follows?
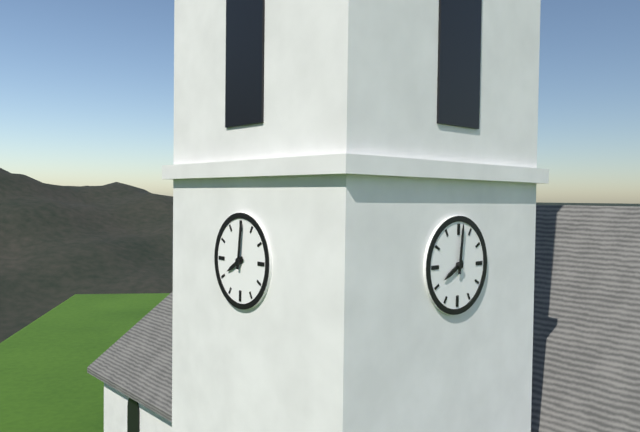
8:01
